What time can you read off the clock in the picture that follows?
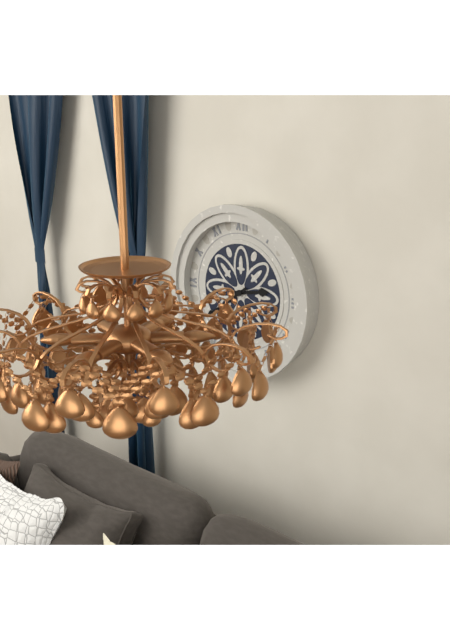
2:39
